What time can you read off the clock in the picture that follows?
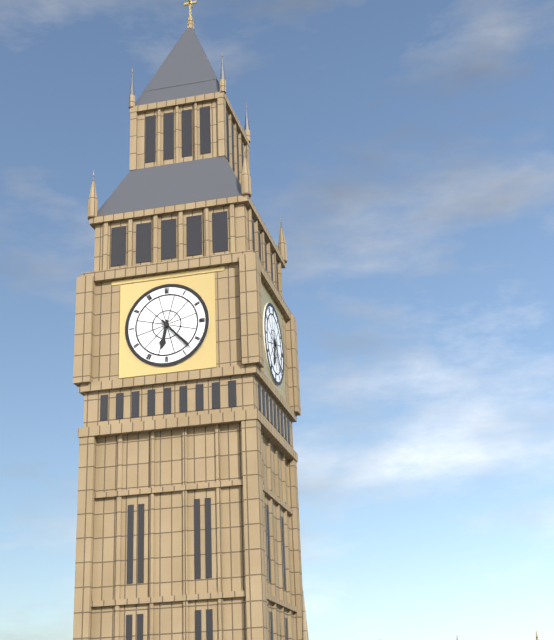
6:23
